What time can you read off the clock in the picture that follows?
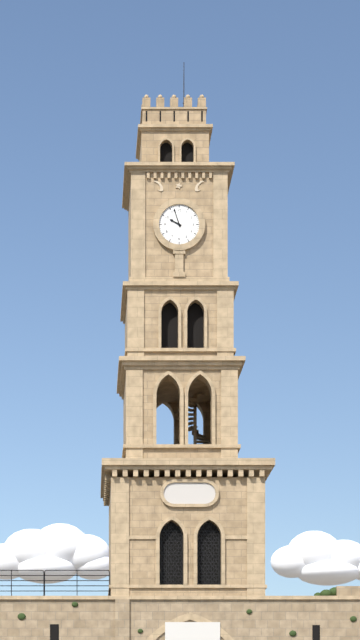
9:57
